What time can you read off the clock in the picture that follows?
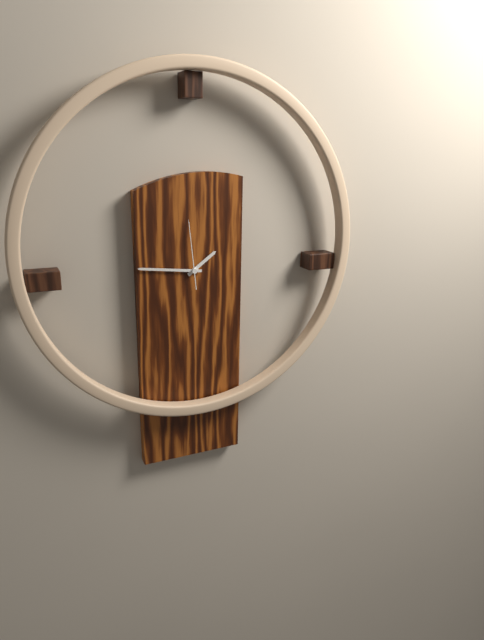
1:46:59
